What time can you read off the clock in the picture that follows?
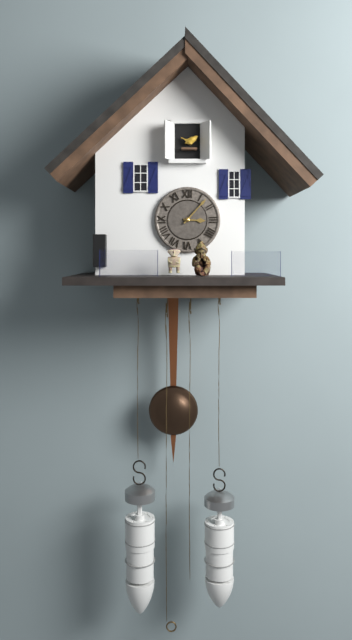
3:07
